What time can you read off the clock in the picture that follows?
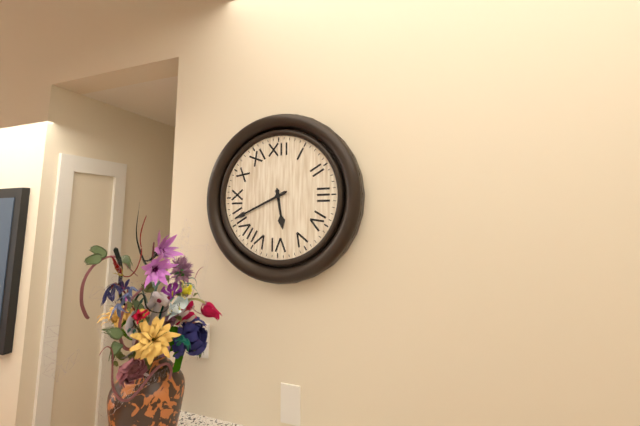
5:41
